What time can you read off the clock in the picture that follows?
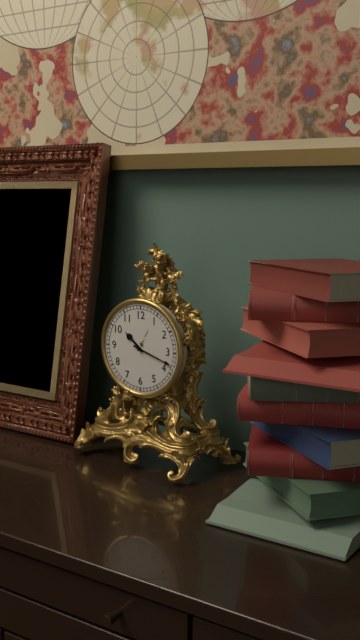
10:18
